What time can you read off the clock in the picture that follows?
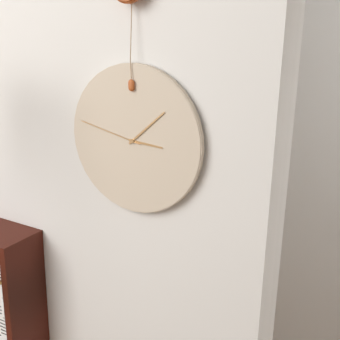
3:08:47
